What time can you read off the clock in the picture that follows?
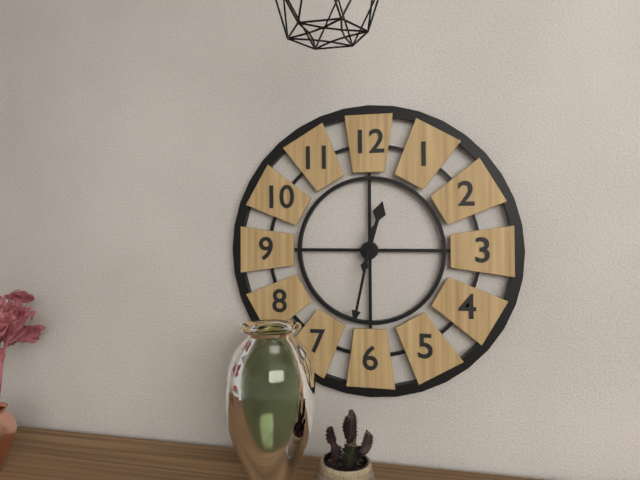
12:32
